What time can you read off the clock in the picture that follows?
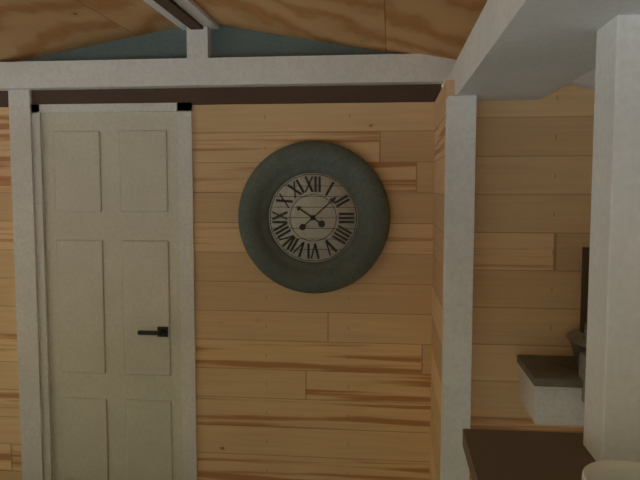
10:08
